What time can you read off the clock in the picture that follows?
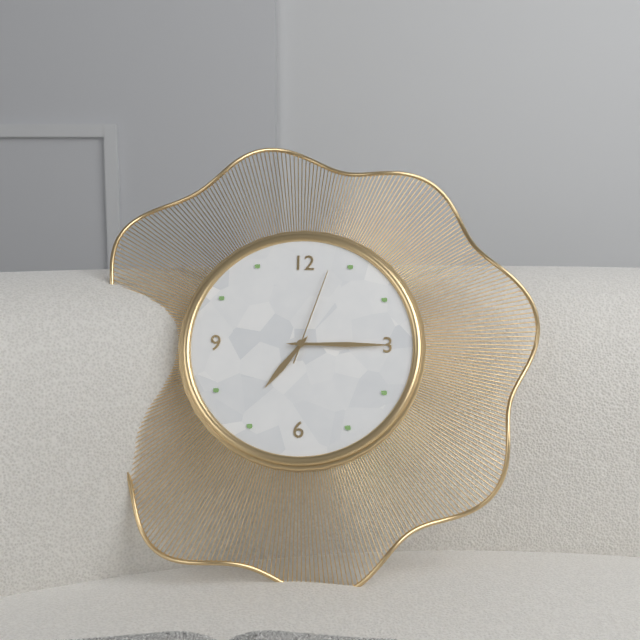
7:15:03
